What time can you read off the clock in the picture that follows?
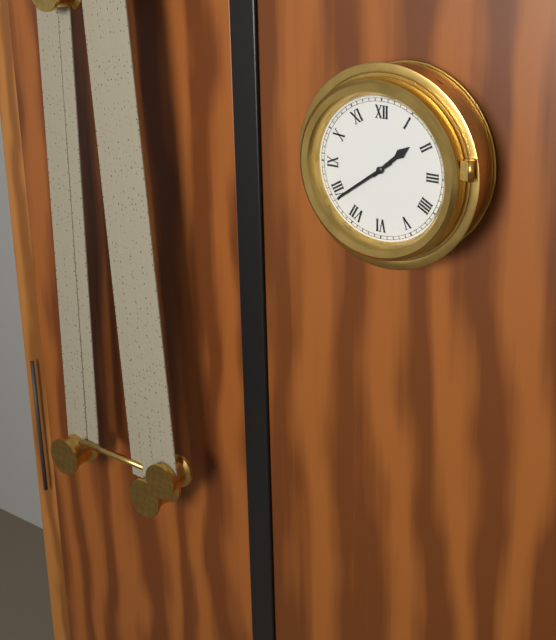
1:39
